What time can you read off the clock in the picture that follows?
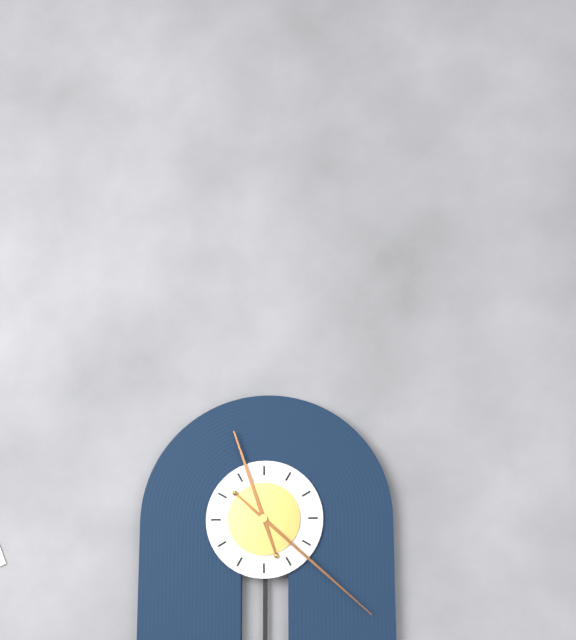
11:22
